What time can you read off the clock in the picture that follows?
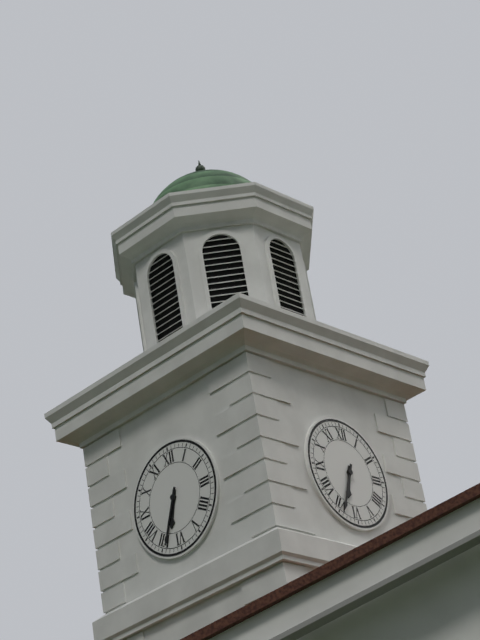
6:34
